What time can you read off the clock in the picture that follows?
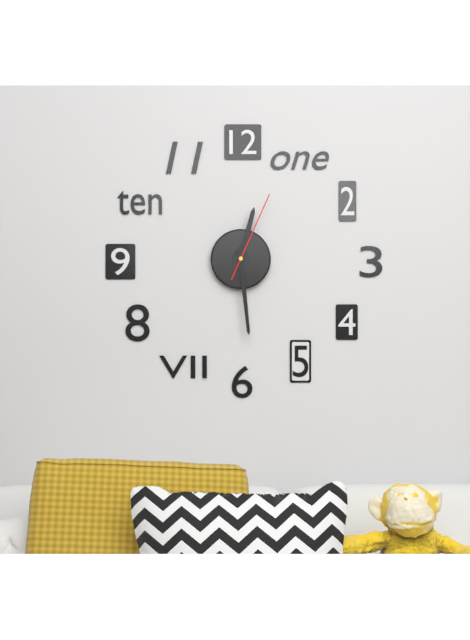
12:29:04
